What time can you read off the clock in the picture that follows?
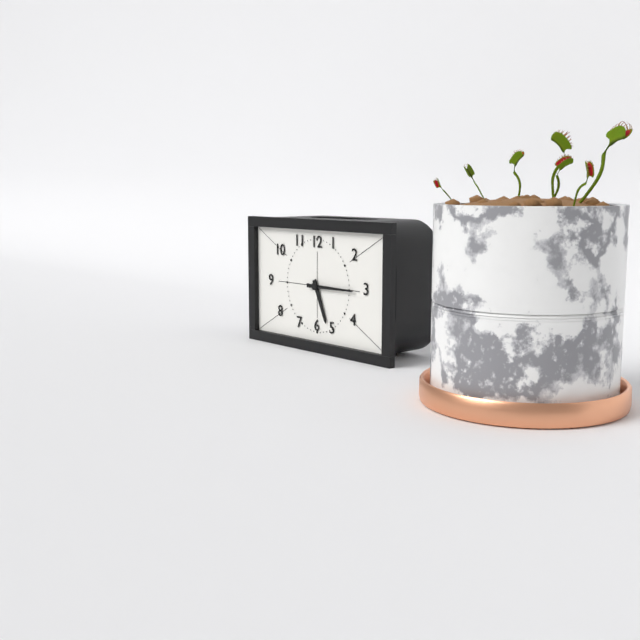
5:15
